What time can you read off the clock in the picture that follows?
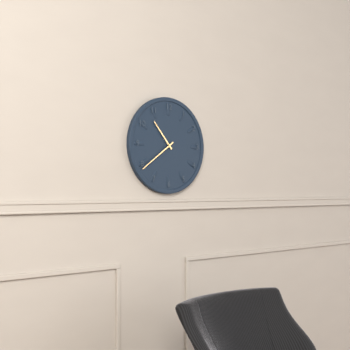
10:39
